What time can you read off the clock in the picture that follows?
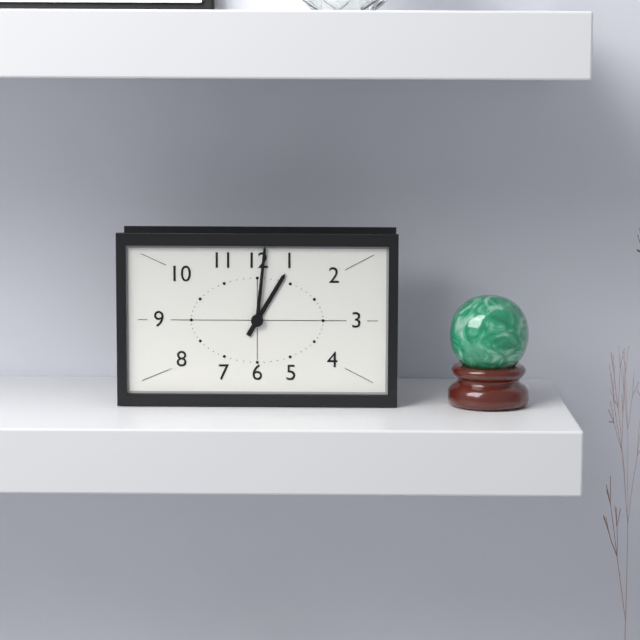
1:01
